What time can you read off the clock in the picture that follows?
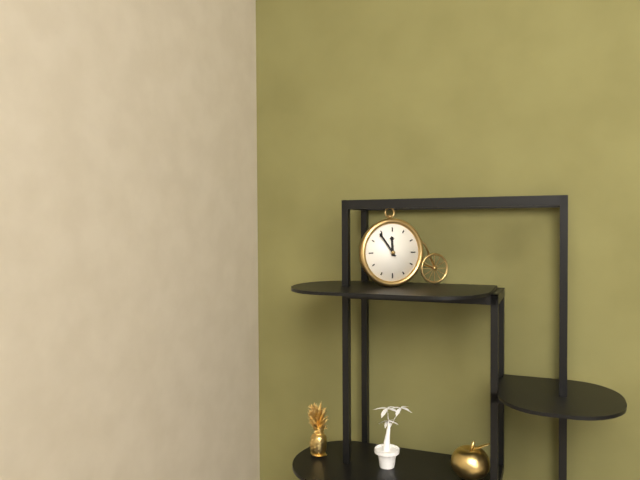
11:54
